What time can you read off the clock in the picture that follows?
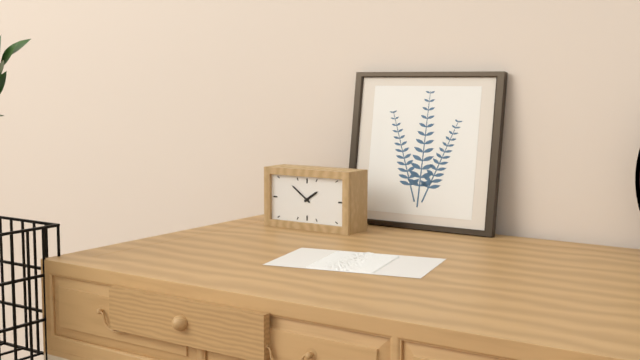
1:51
